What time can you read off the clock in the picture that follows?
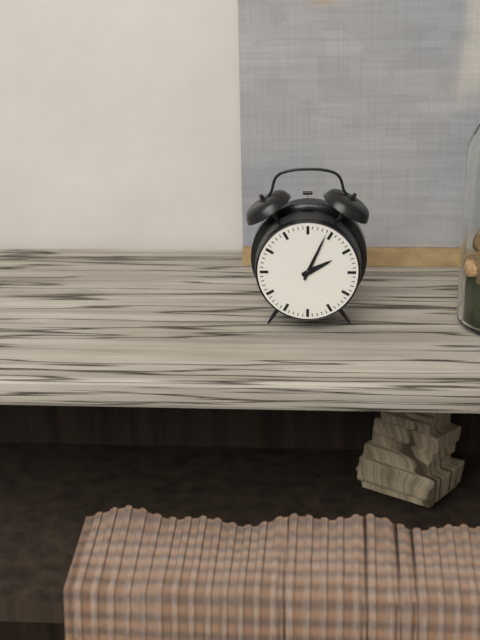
2:04
